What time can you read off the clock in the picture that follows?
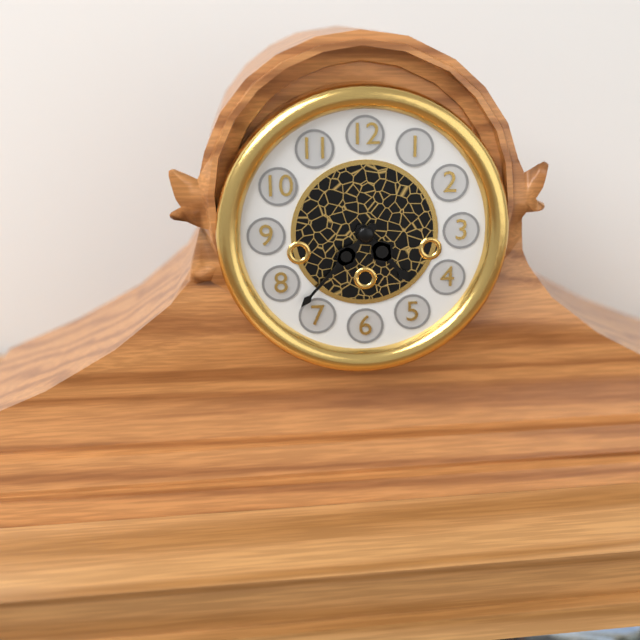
4:37
